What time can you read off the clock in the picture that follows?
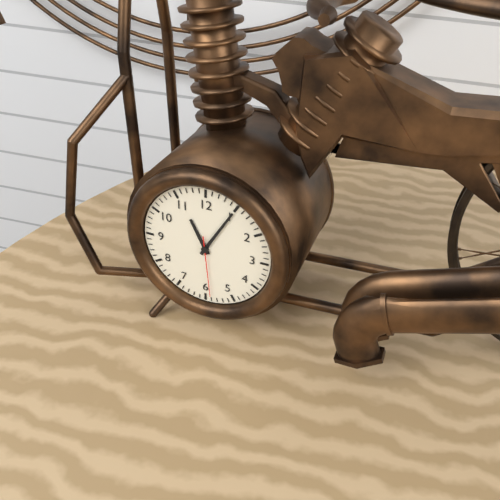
11:05:29
